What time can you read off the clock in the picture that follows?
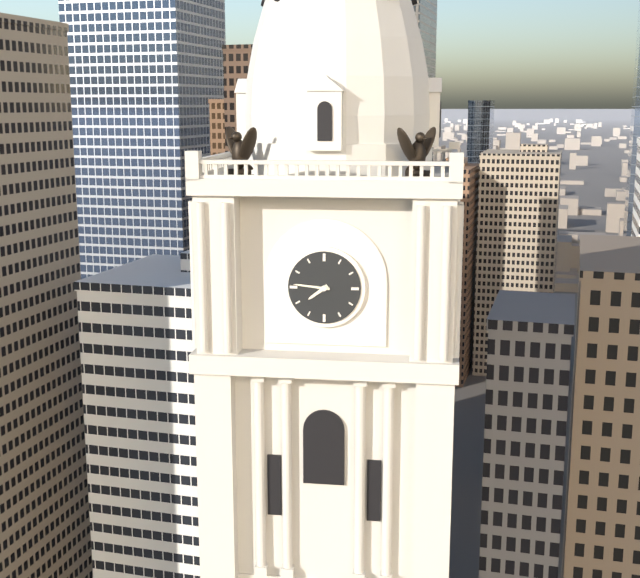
7:46
